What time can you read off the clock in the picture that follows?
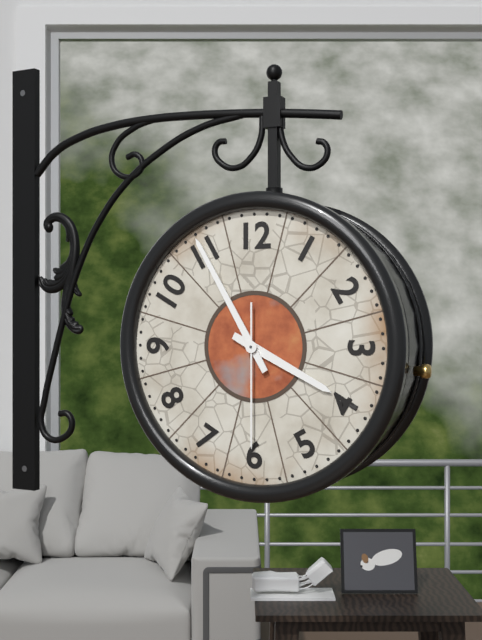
3:55:30
